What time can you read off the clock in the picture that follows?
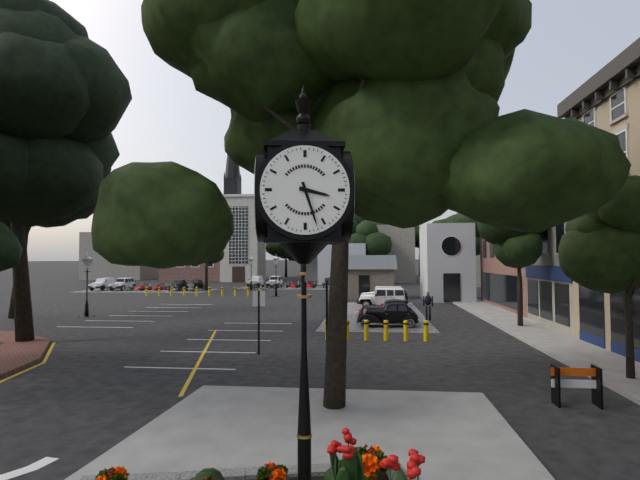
3:27
